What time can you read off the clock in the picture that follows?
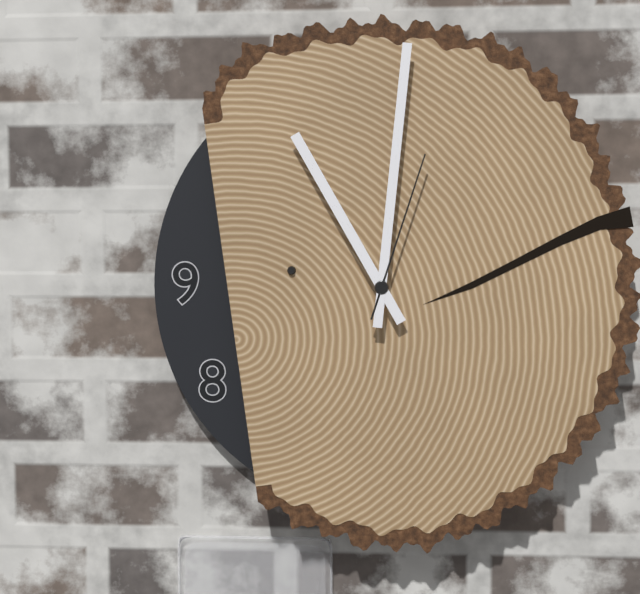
11:01:03
